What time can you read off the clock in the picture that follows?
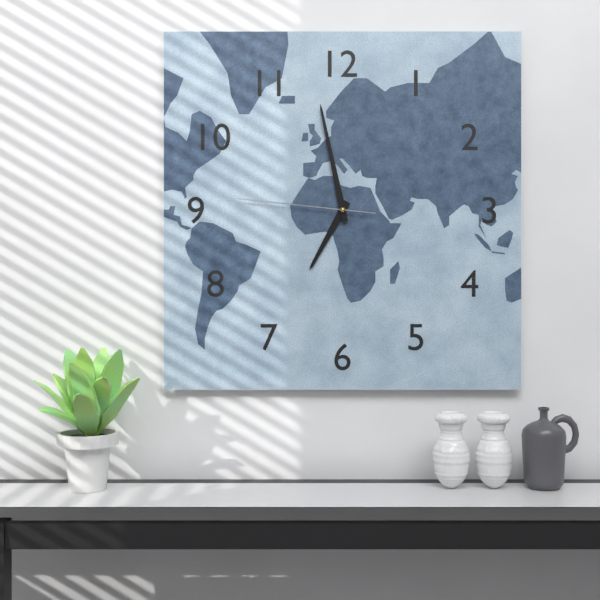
6:58:46
